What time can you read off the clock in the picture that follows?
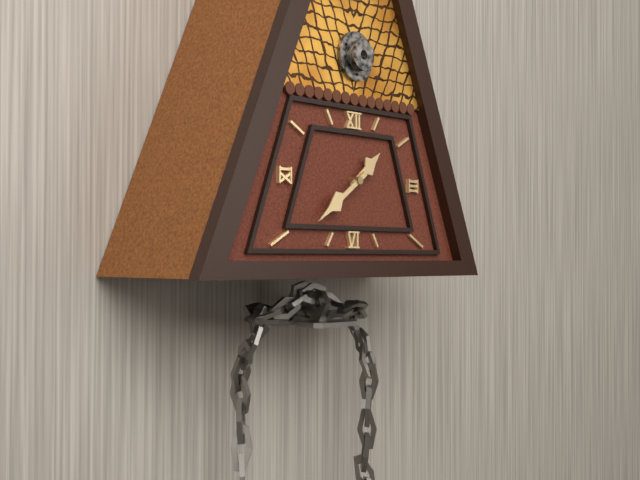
1:39
